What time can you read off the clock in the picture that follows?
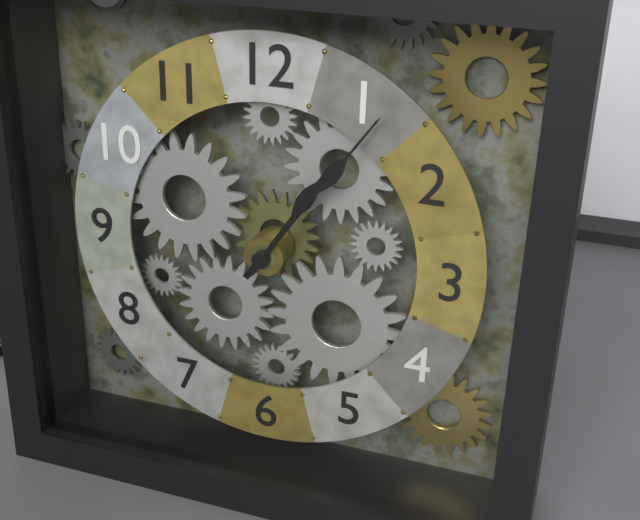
1:06
